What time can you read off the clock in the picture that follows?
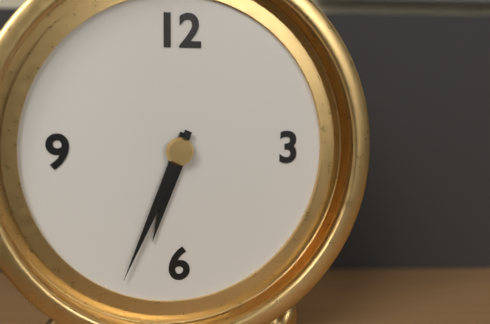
6:34
